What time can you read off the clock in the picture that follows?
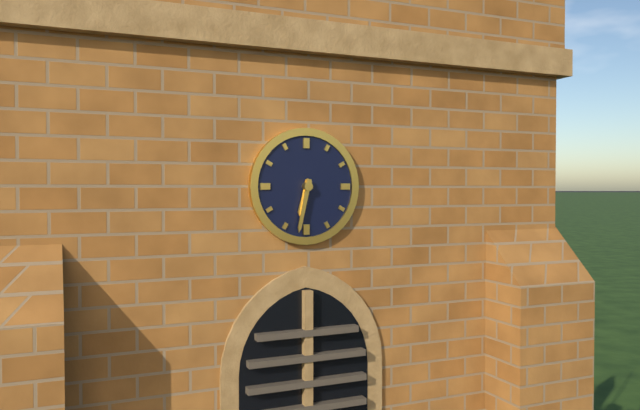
6:32
